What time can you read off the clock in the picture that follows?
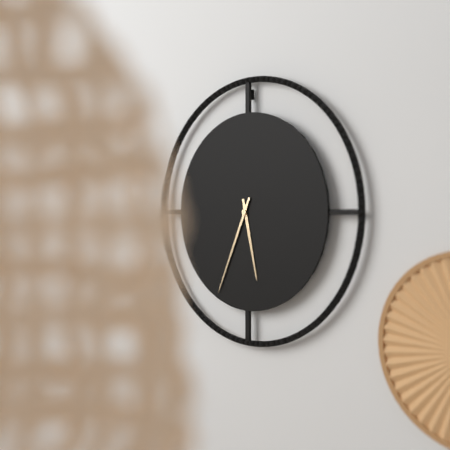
5:34
